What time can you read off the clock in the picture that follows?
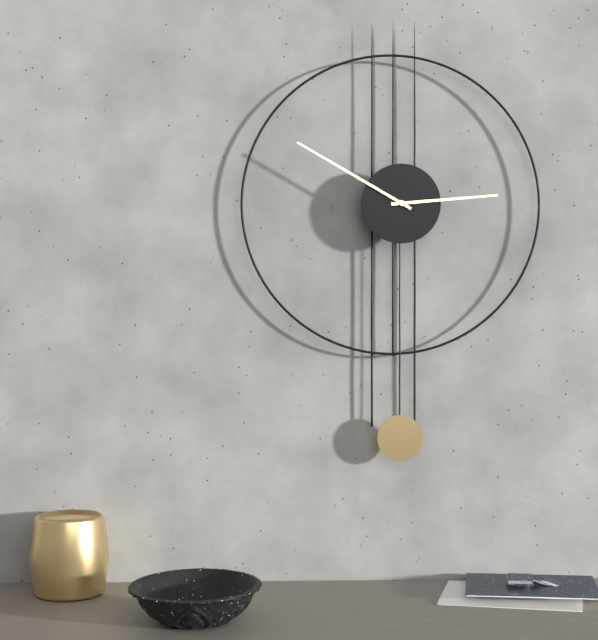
2:50
